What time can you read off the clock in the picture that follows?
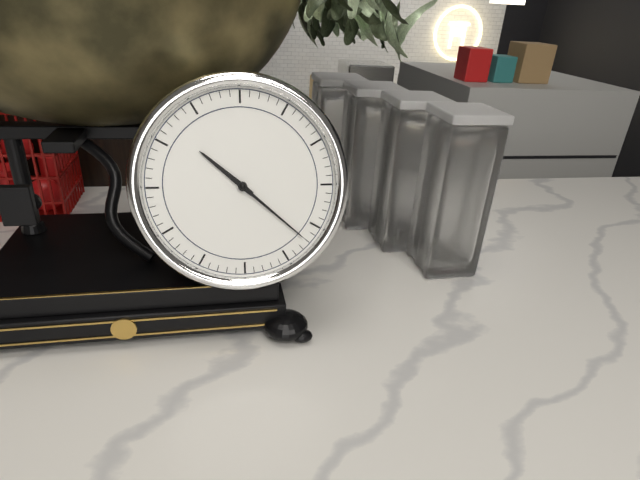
10:22
